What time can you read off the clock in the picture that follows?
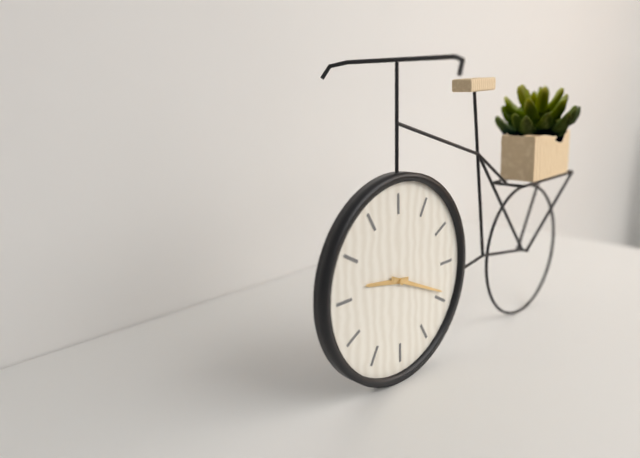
9:19
